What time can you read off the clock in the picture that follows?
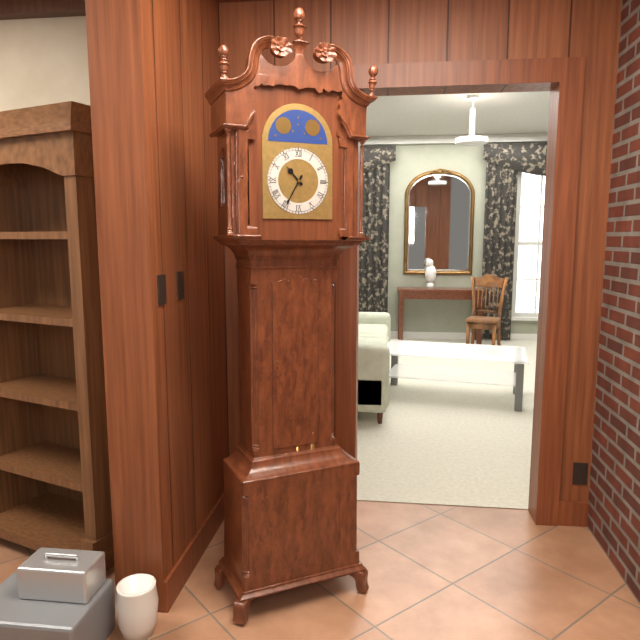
10:35
